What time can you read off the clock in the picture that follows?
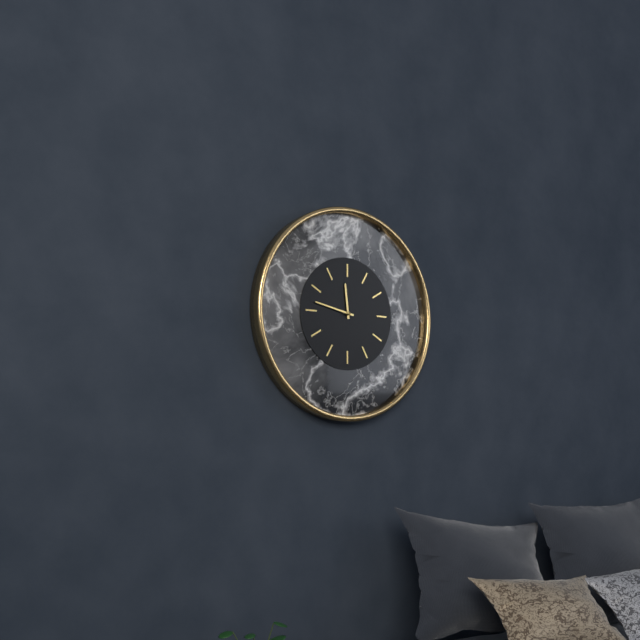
11:47
